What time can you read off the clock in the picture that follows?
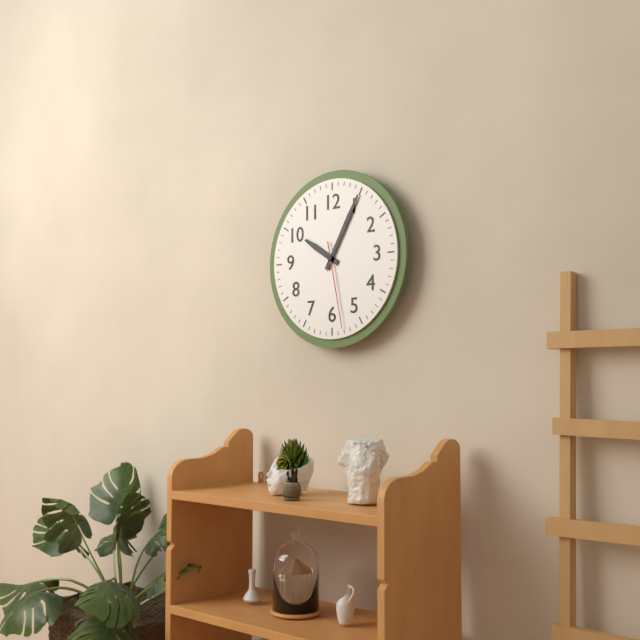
10:05:28
